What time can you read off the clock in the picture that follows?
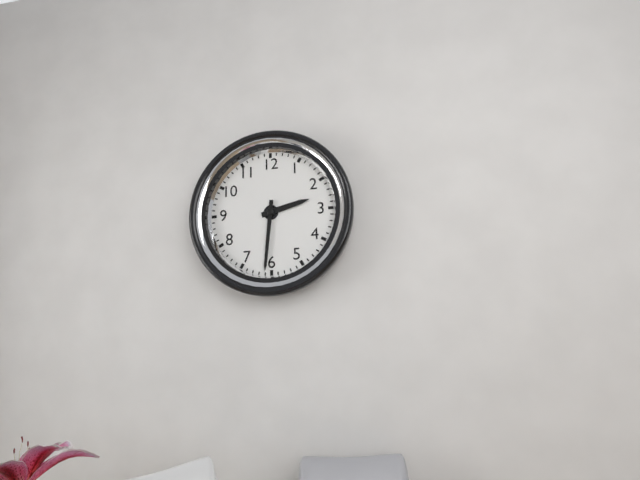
2:31
